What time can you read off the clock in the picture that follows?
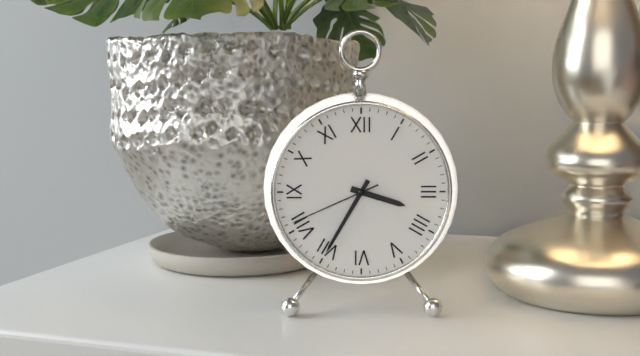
3:35:41
